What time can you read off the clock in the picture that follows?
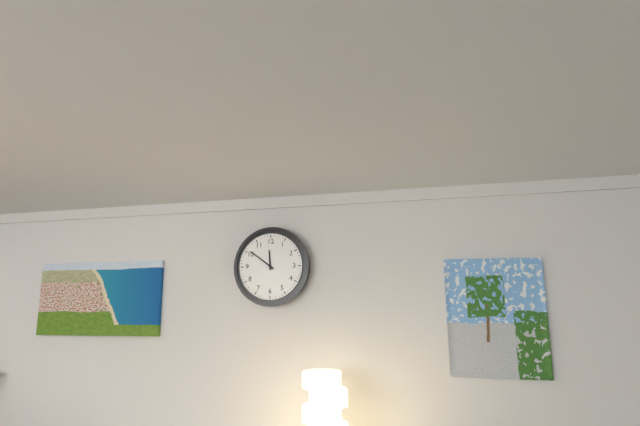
11:51
